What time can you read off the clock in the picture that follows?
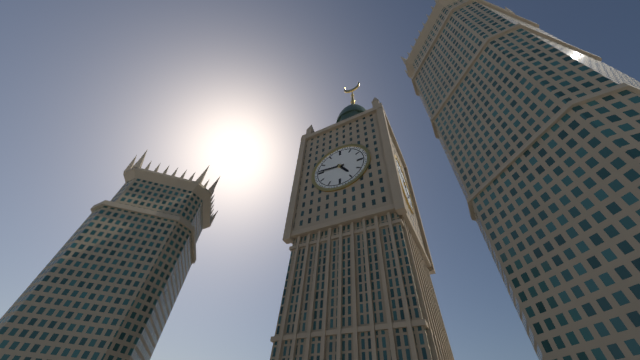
4:46
